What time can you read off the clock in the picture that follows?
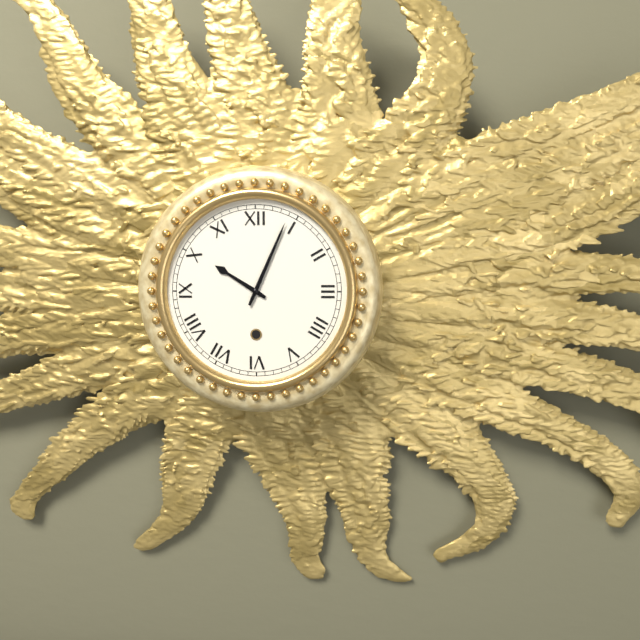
10:04
